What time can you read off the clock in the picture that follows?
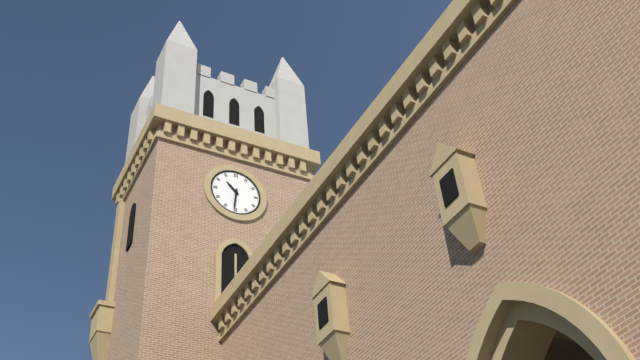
10:31
